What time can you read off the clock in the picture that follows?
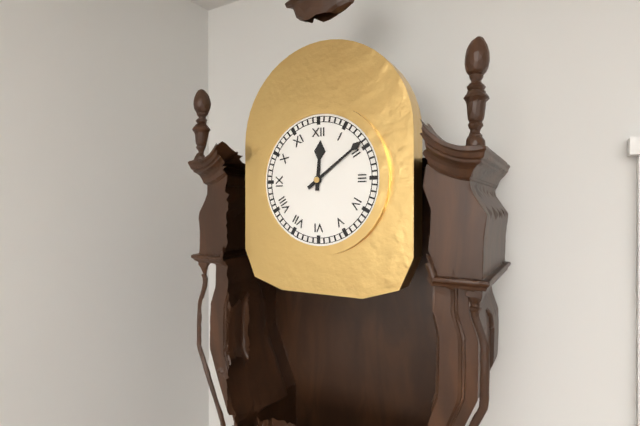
12:09
